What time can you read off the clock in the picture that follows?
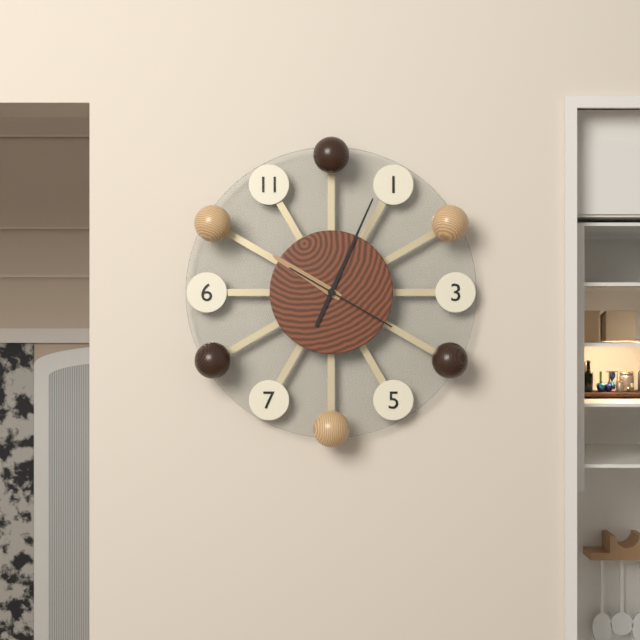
10:04:20
